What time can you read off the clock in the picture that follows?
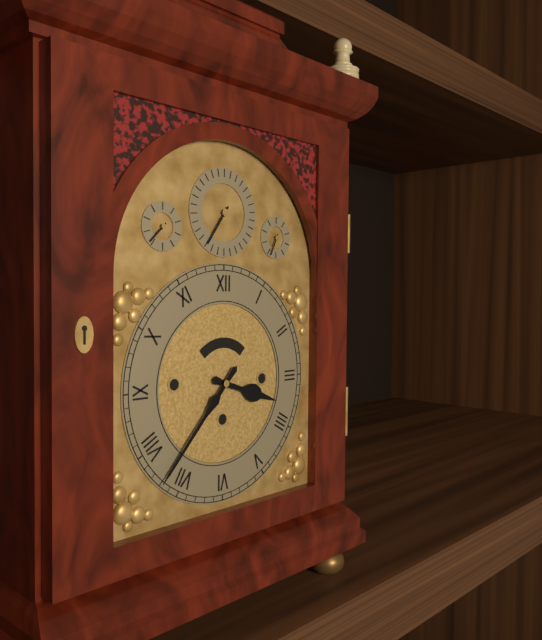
3:37
